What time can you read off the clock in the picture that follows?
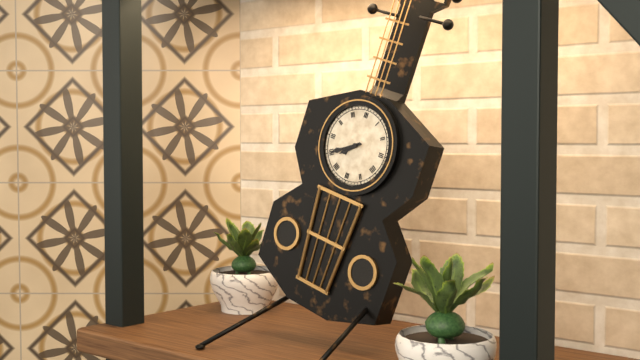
7:40
